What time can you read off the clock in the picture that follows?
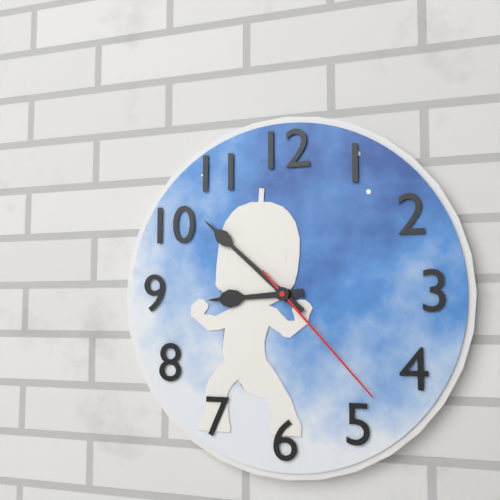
8:52:23
